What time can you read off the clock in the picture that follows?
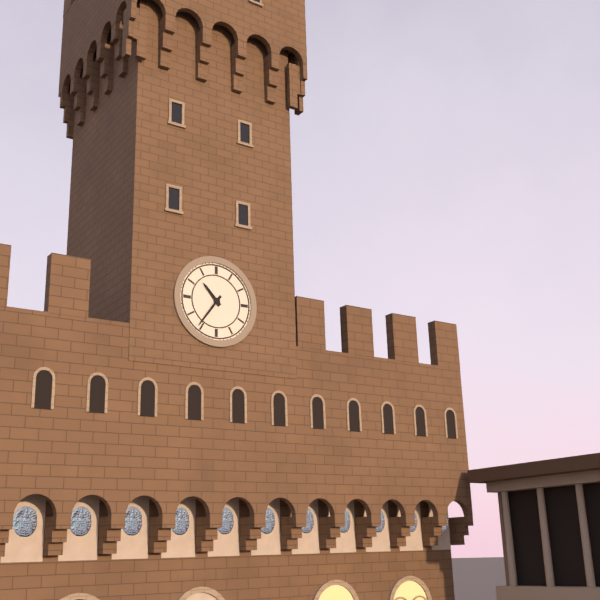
10:36
